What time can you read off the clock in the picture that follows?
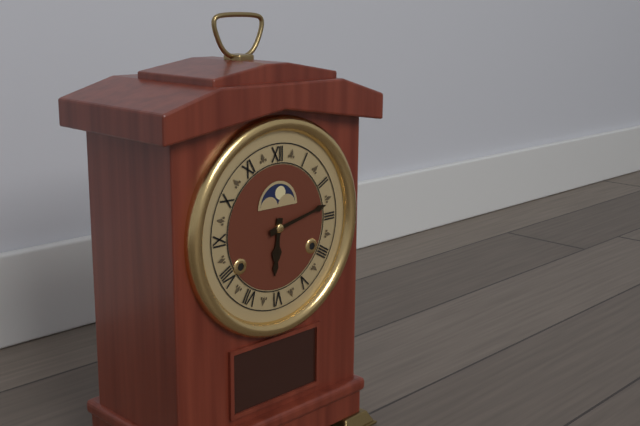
6:13
